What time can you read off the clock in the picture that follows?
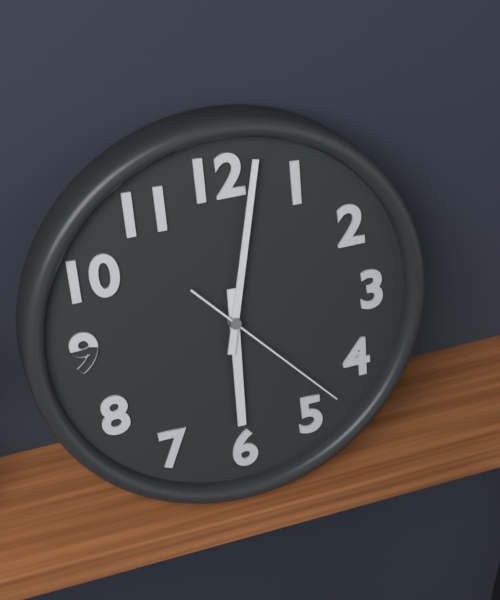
6:02:23
